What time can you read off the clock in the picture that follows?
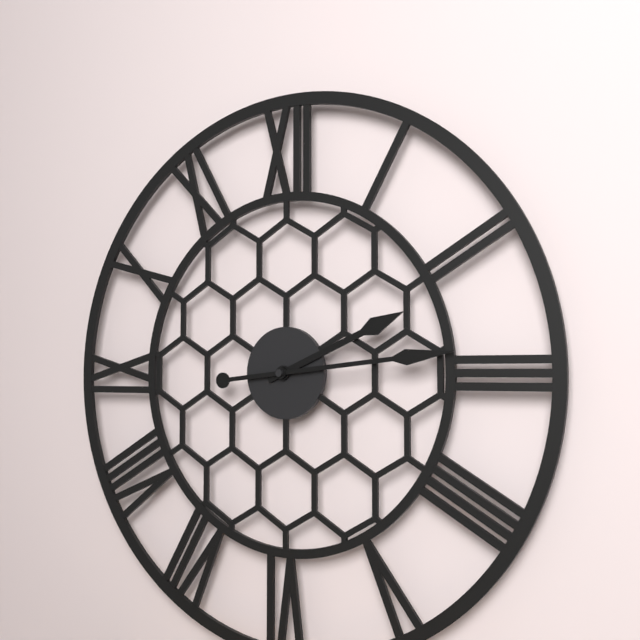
2:14
